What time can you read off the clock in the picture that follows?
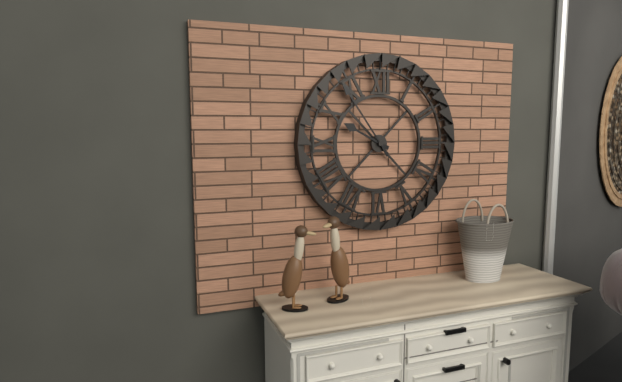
9:54
